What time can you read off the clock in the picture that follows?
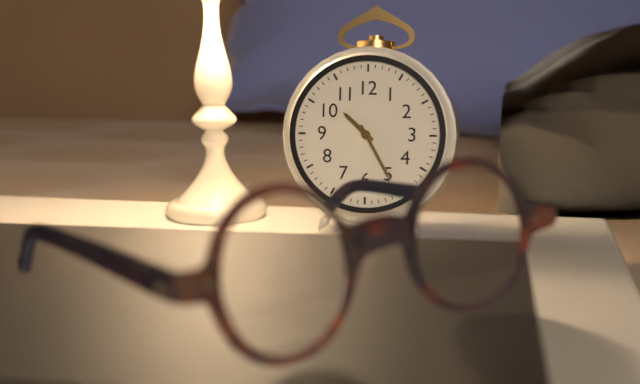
10:25
